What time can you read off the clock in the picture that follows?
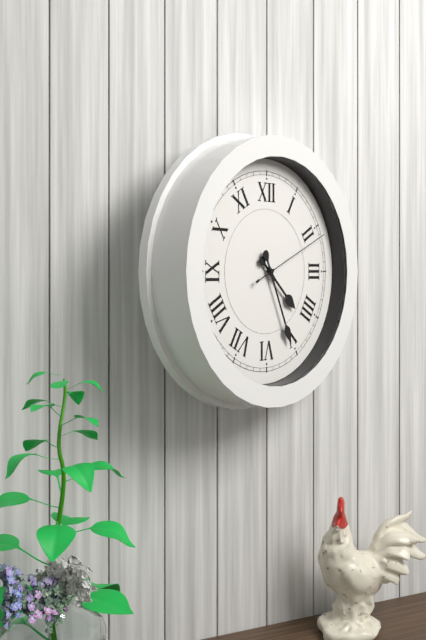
4:26:11
